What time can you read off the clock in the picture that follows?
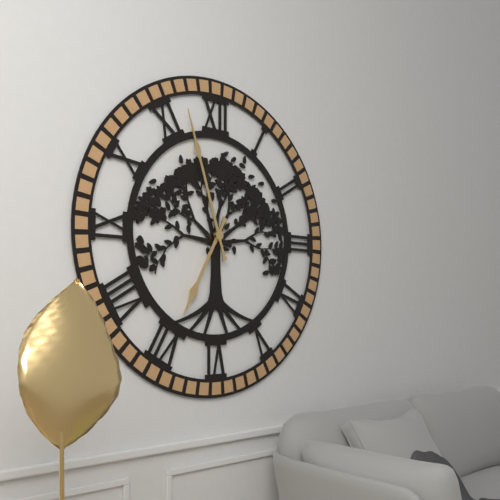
6:57
